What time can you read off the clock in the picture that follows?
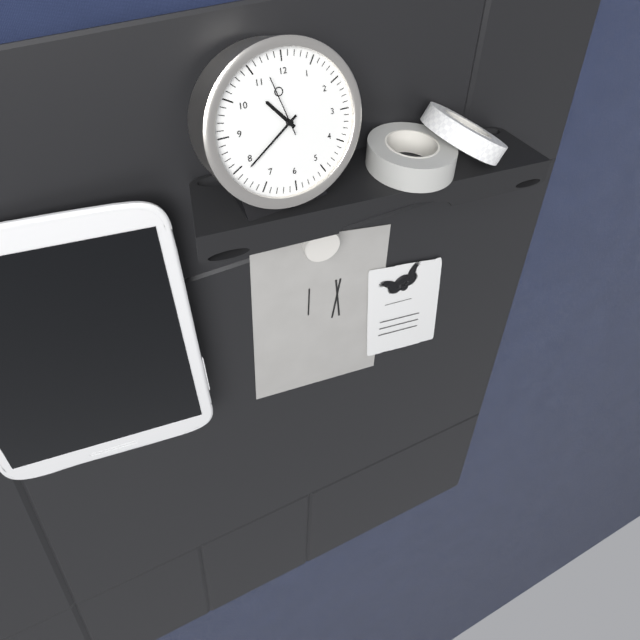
10:39:57
